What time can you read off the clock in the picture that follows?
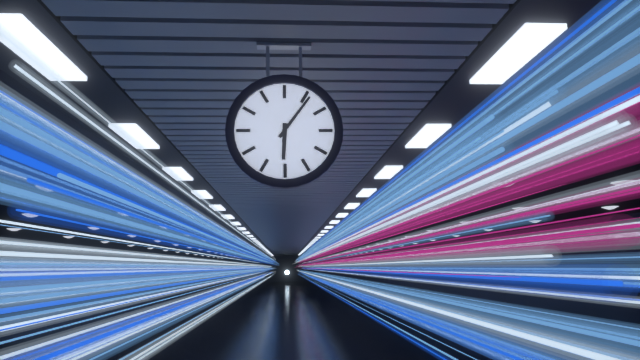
6:06
